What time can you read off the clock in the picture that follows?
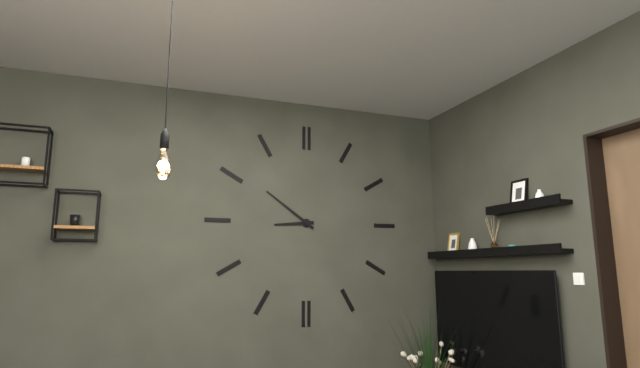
8:51
